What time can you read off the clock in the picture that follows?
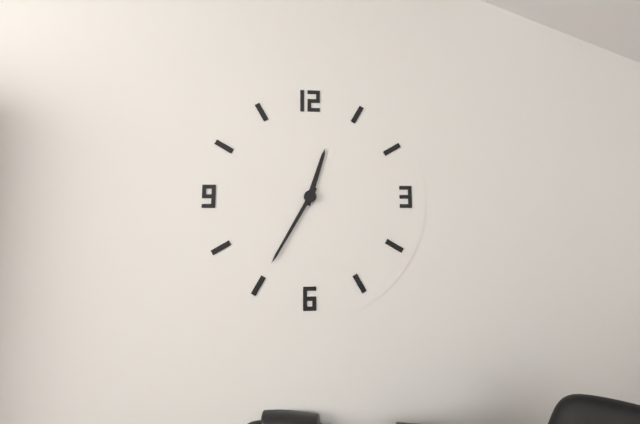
12:35
